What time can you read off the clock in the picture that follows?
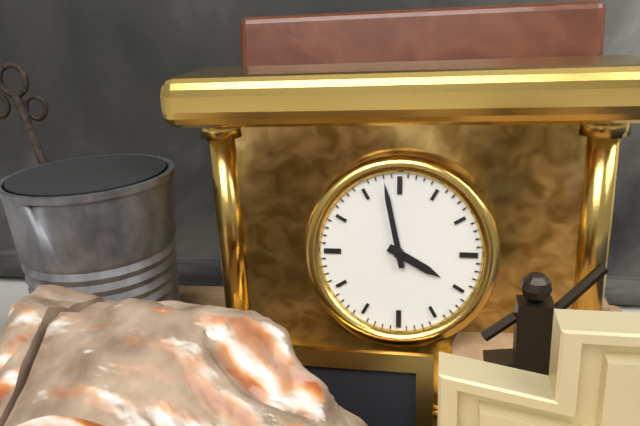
3:58
